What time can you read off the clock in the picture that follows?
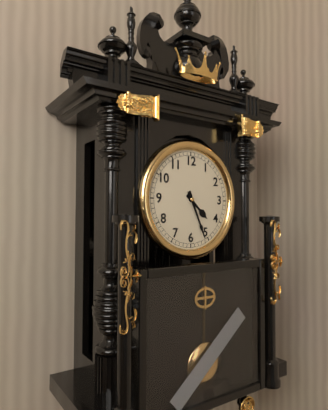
4:26
